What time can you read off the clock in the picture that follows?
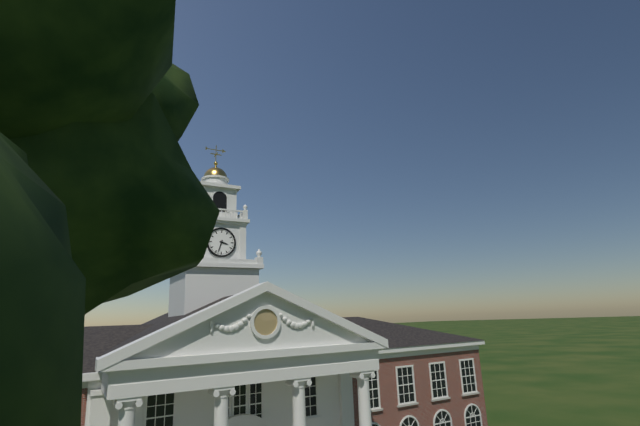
3:33
